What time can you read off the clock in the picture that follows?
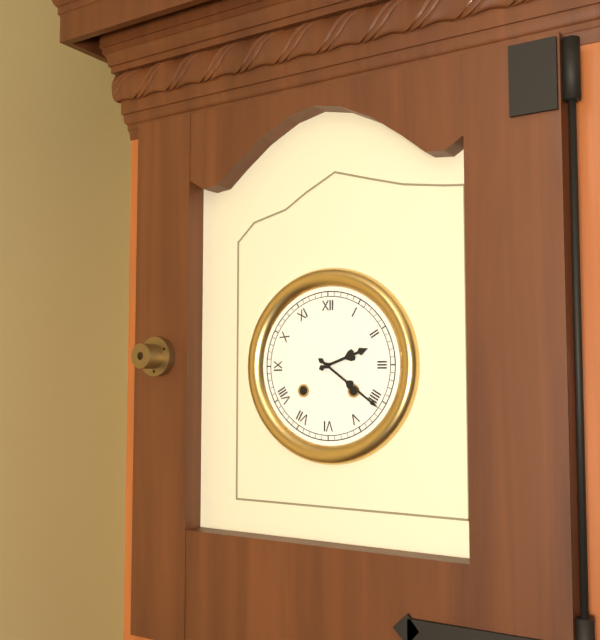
2:21
